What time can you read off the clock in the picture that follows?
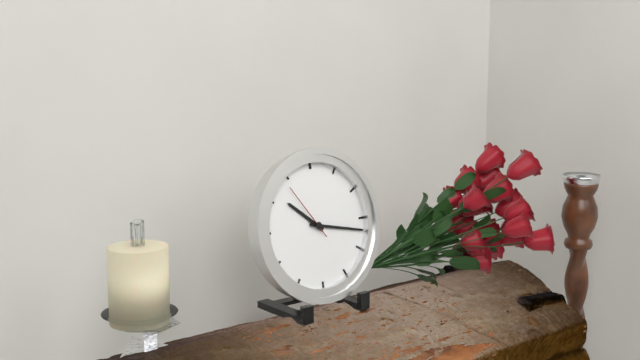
10:17:54
